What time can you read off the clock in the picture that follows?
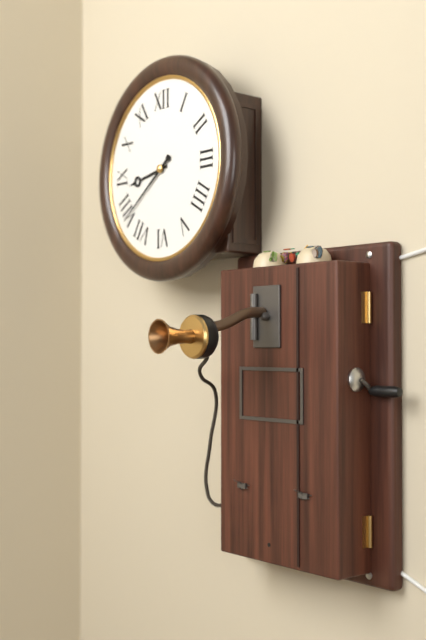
8:39
